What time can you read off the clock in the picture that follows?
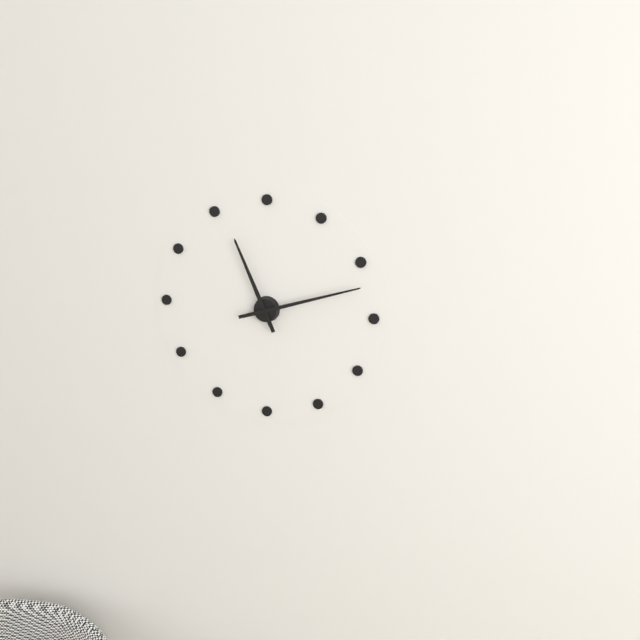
11:12
